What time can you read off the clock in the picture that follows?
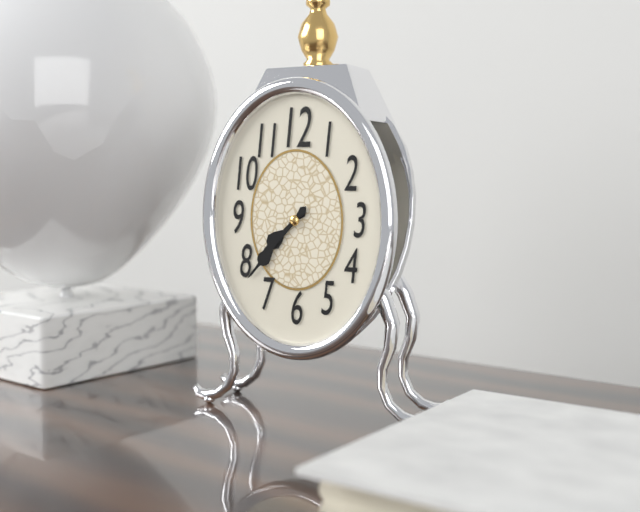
7:37
